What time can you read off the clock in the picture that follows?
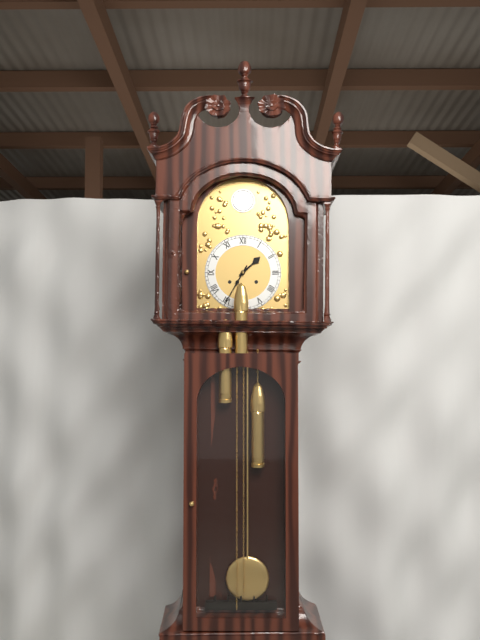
1:35
